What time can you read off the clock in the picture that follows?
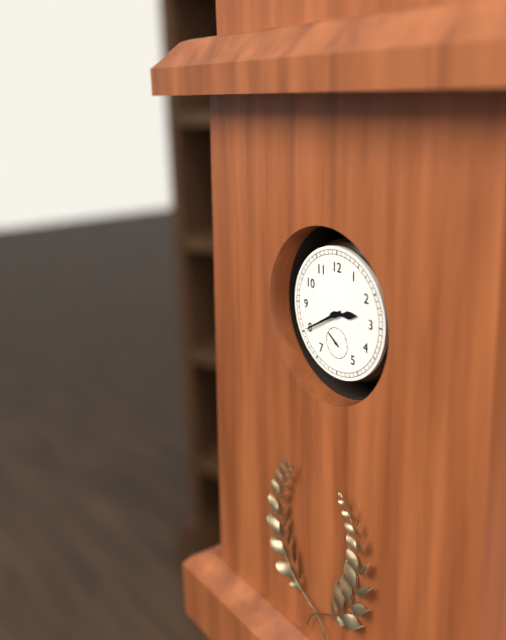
2:40
